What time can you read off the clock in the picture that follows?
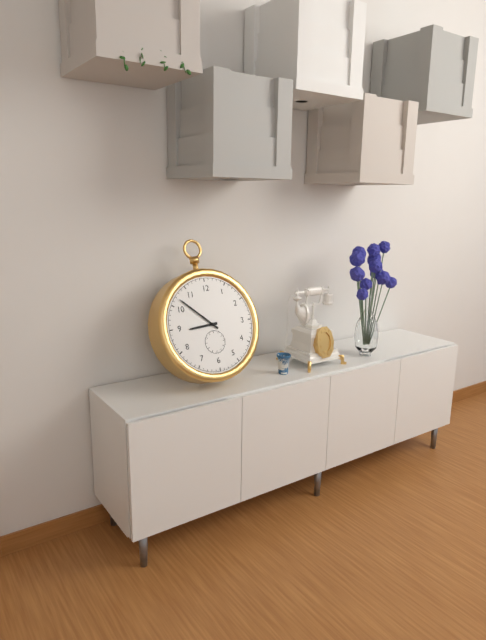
8:52
